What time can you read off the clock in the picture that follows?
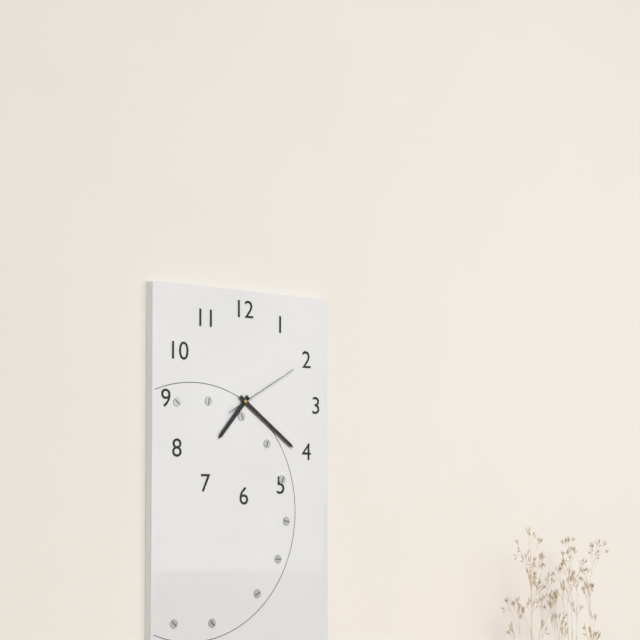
7:21:10
